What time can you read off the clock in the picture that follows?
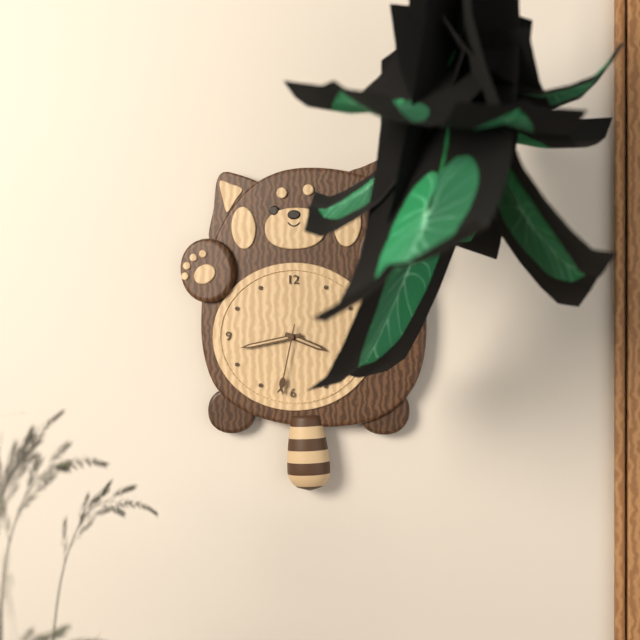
3:43:32
